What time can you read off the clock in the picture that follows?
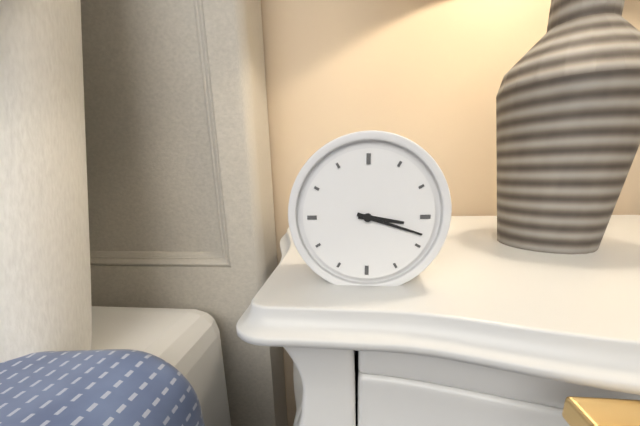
3:18
